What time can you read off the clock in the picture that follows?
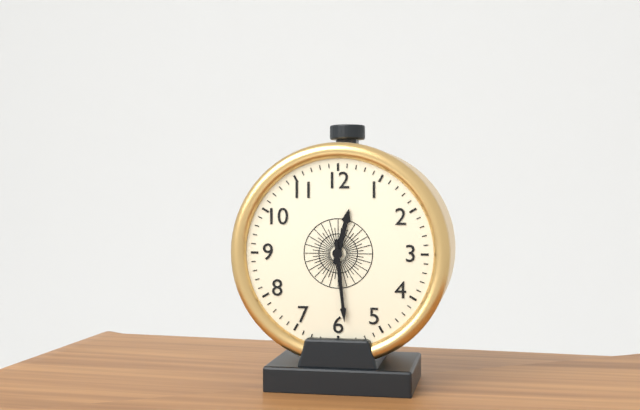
12:29
